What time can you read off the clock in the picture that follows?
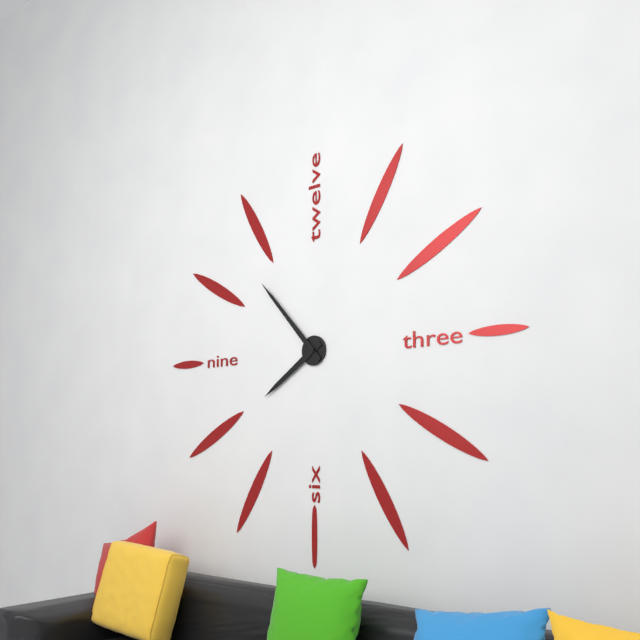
7:53
